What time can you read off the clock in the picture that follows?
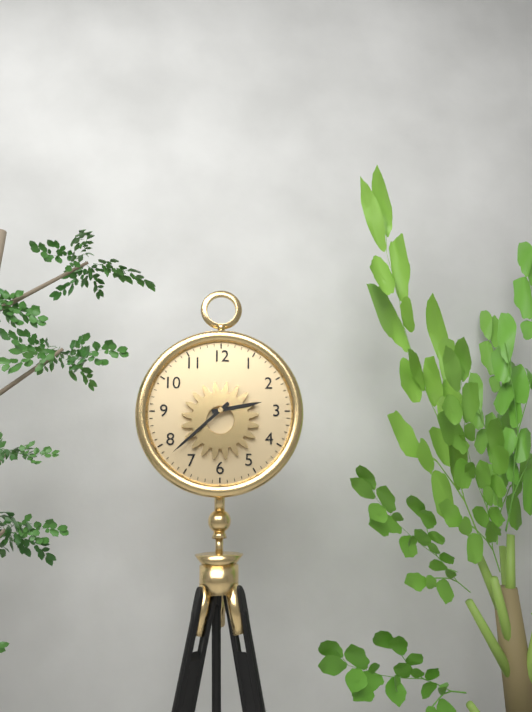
2:38
